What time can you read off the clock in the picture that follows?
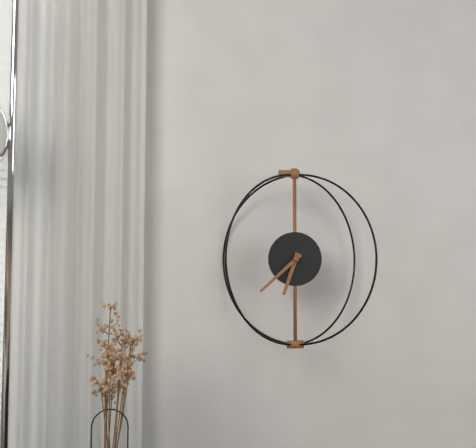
6:38
